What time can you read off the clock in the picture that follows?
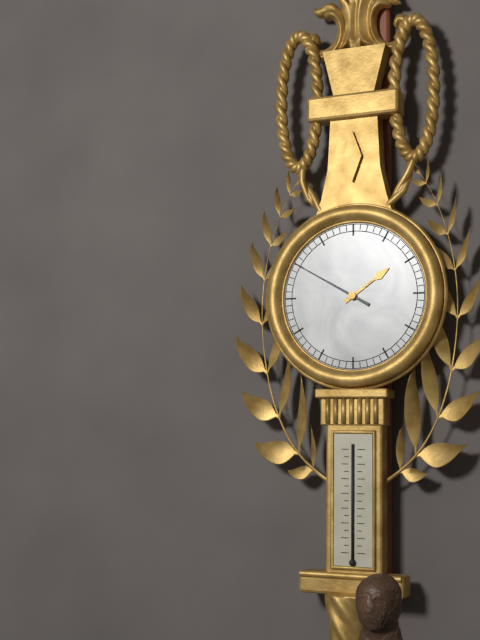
1:50
